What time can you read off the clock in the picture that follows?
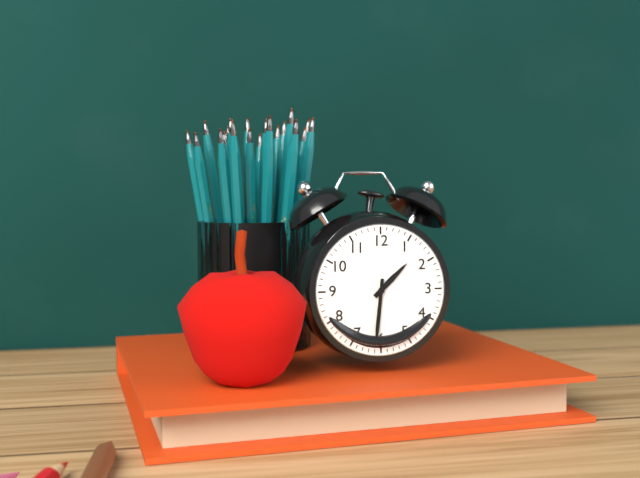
1:31
